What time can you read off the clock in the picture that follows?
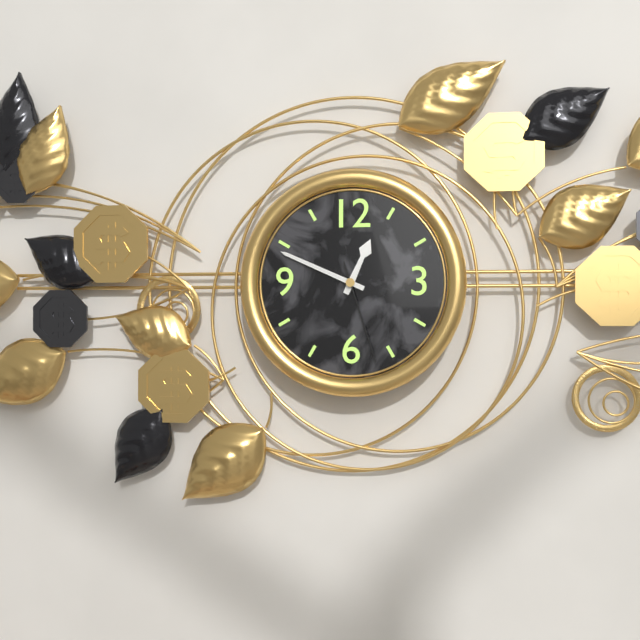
12:49:27
